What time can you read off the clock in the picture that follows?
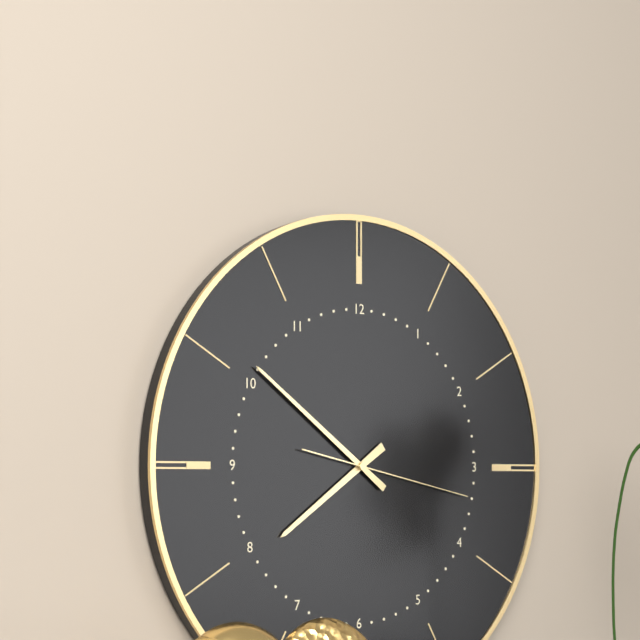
7:51:17
